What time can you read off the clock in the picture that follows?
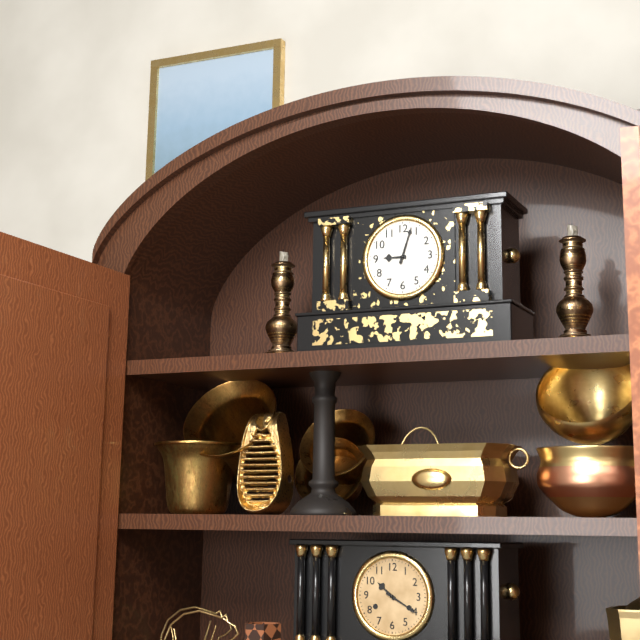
9:03
